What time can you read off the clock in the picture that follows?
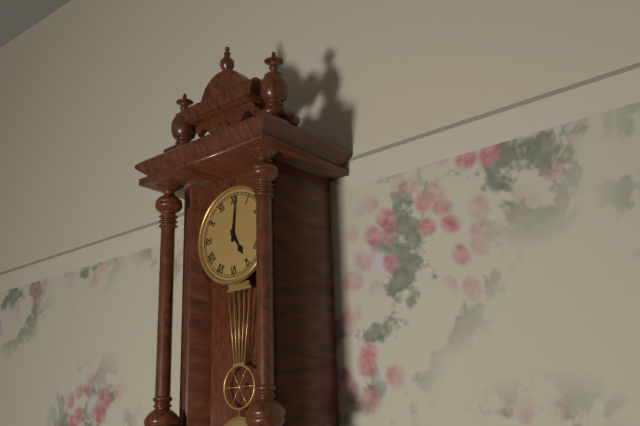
5:01
